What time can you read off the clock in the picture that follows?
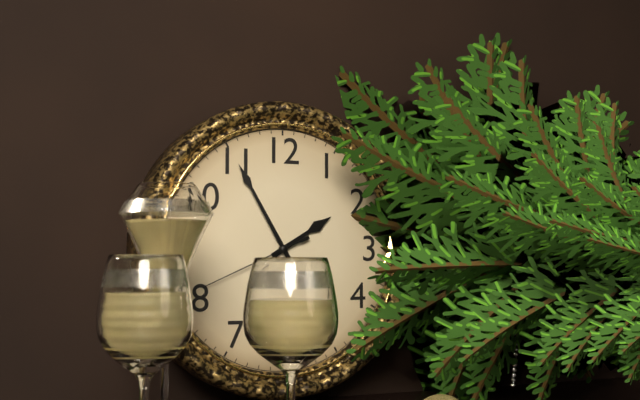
1:55:41
